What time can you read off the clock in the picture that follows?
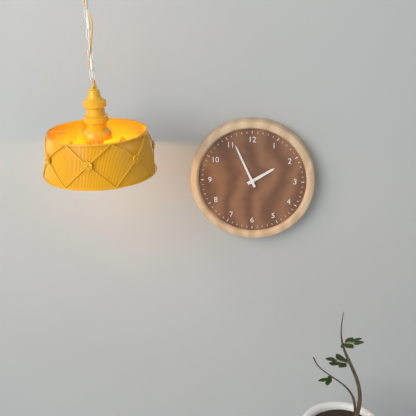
1:56
